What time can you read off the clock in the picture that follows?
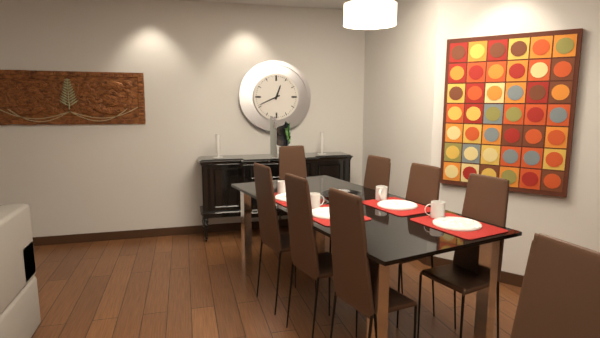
12:41
